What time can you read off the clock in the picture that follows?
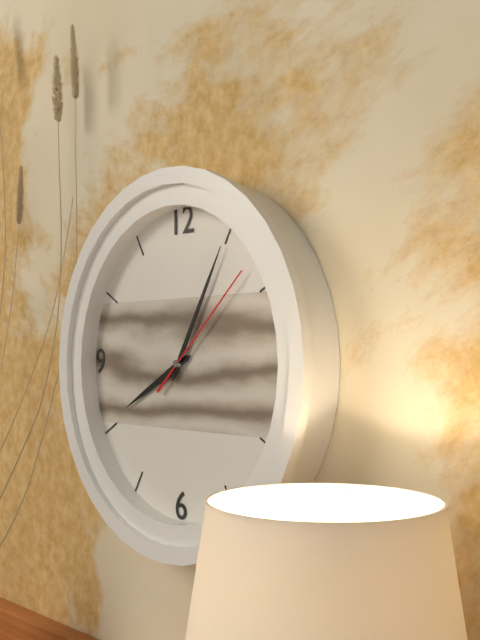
8:05:08
